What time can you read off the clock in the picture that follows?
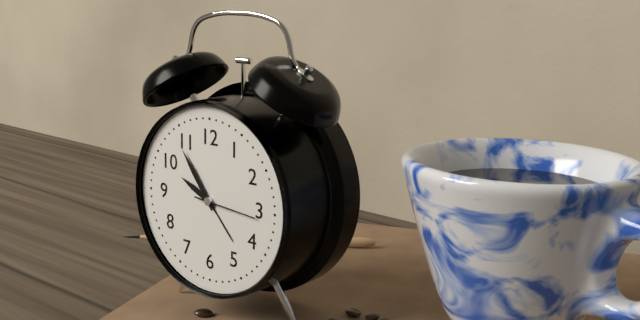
9:54
